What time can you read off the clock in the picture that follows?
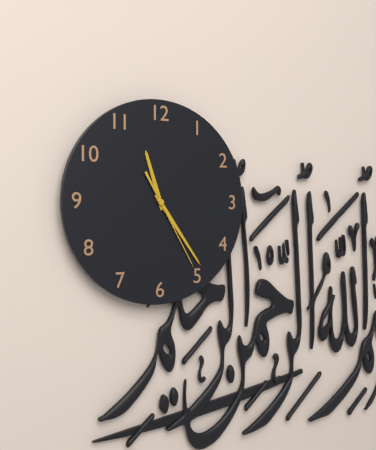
11:24:25
